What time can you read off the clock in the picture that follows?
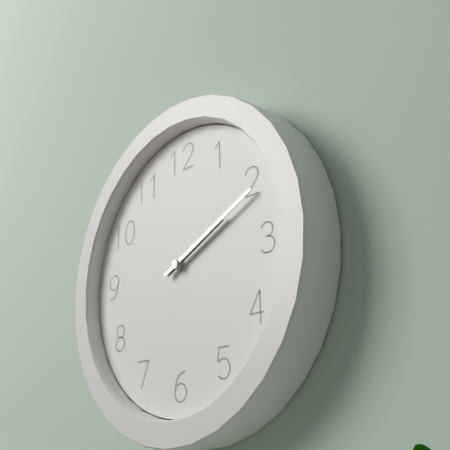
2:11
